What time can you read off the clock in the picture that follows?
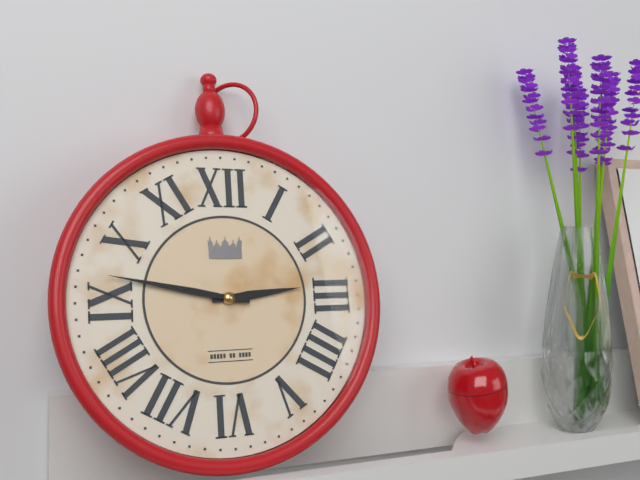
2:47
